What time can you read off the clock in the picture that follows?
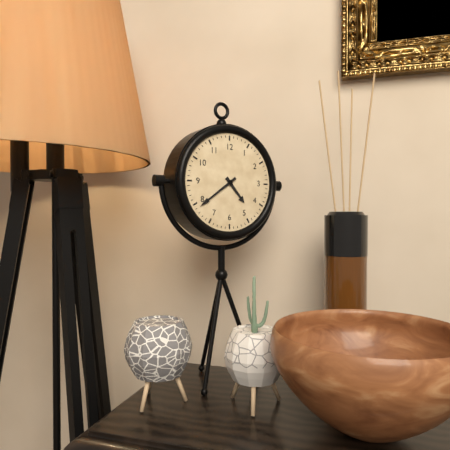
4:39
